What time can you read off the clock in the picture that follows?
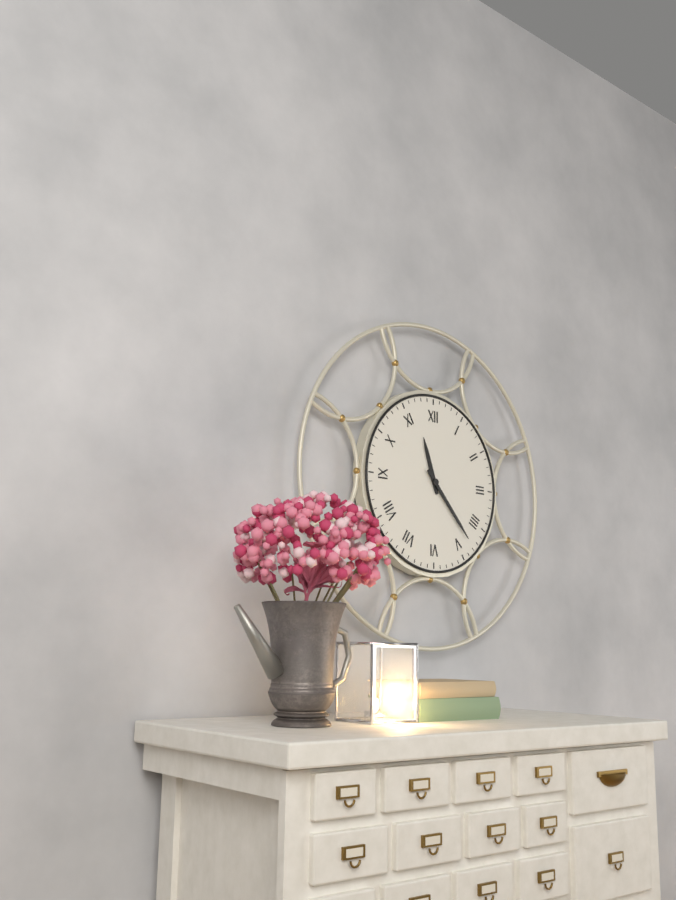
11:23
